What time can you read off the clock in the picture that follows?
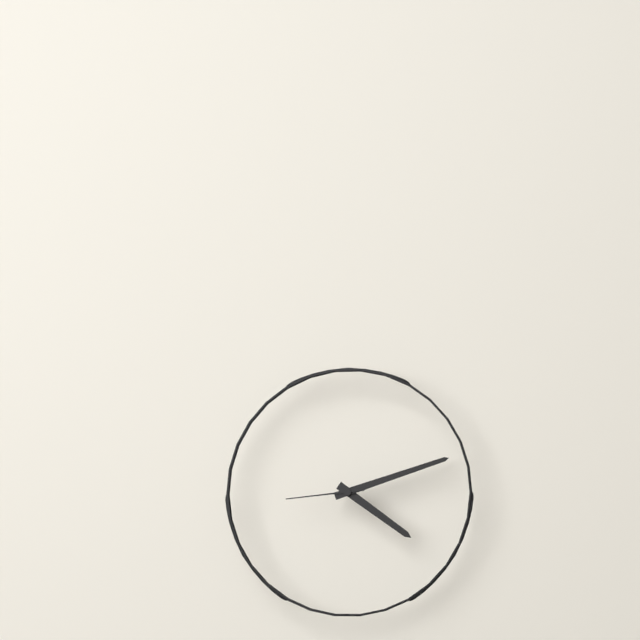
4:12:44
